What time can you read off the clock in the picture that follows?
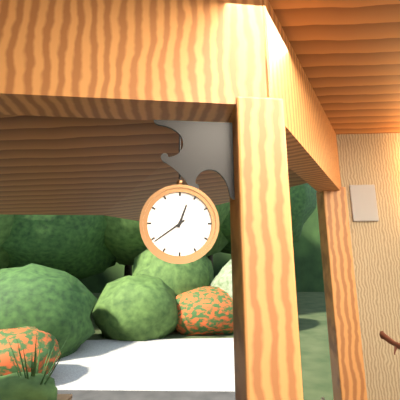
12:39
